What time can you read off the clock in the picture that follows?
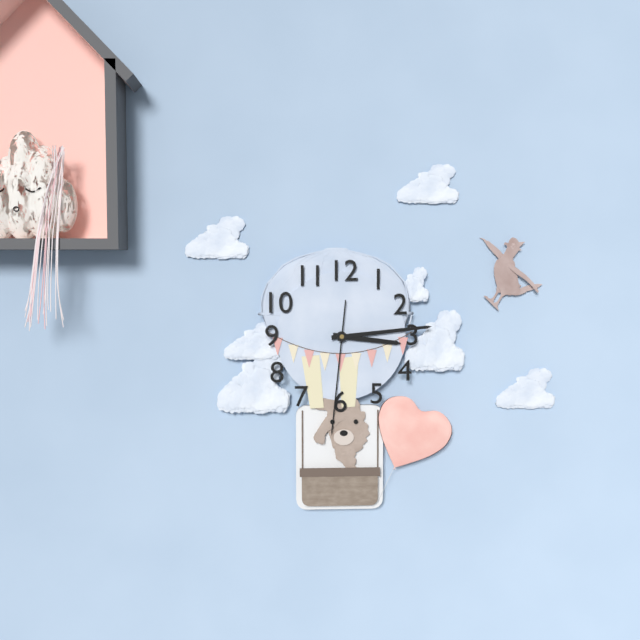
3:14:31
